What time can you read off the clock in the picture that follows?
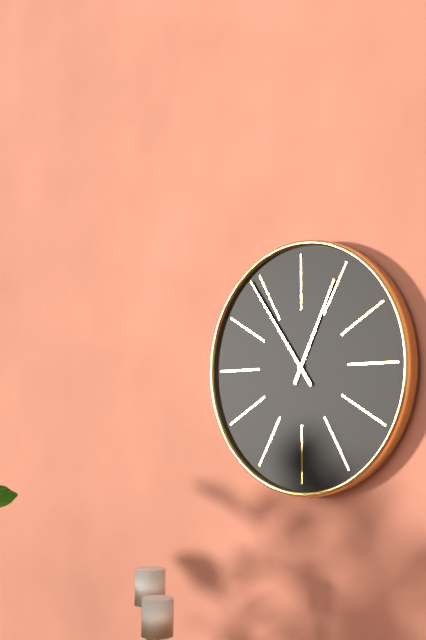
12:54
